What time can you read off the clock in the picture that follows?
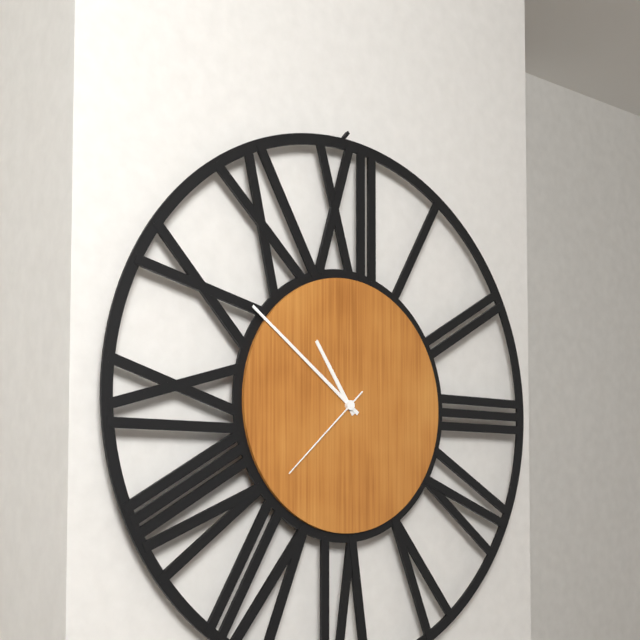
10:51:38
